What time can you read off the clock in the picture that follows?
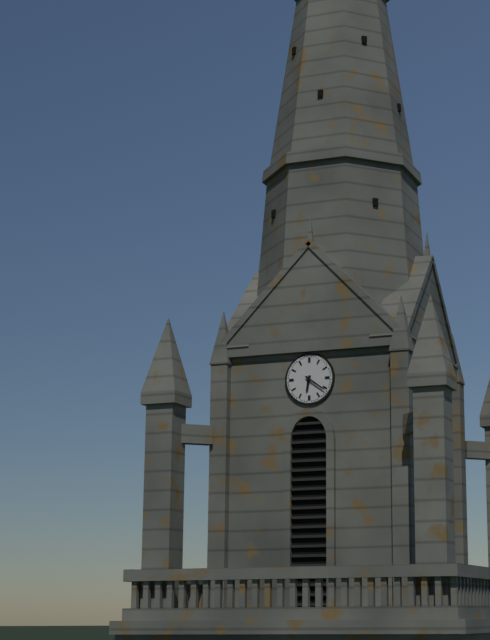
6:21
